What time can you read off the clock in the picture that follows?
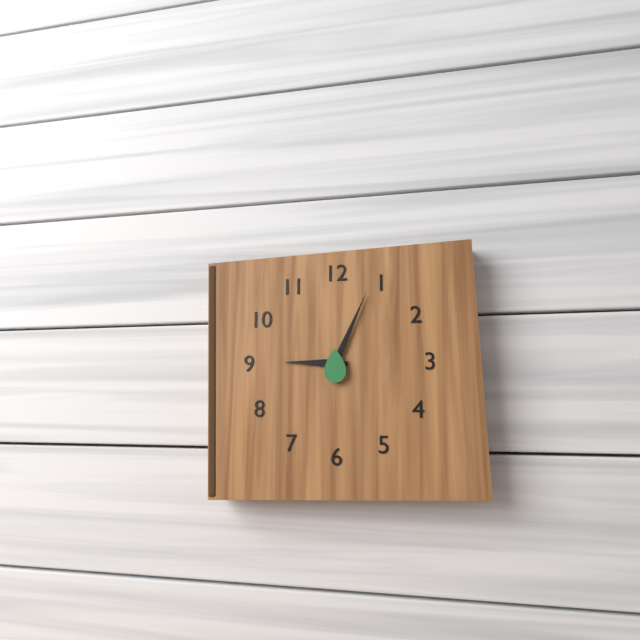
9:04
